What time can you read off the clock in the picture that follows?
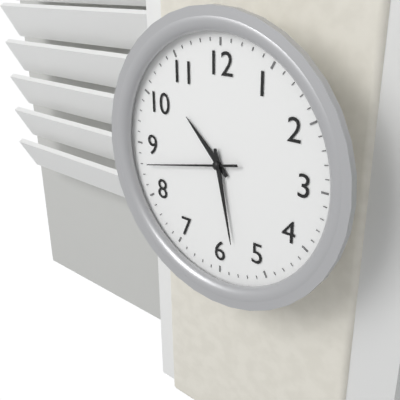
10:28:43
